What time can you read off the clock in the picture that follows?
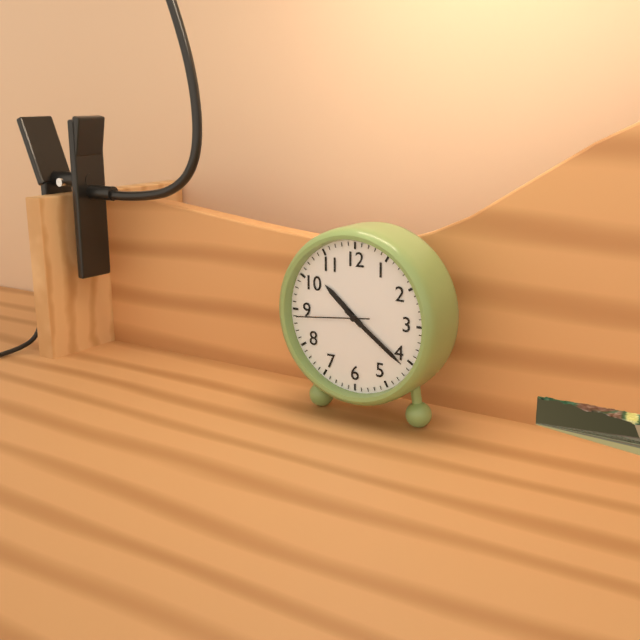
10:21:44
